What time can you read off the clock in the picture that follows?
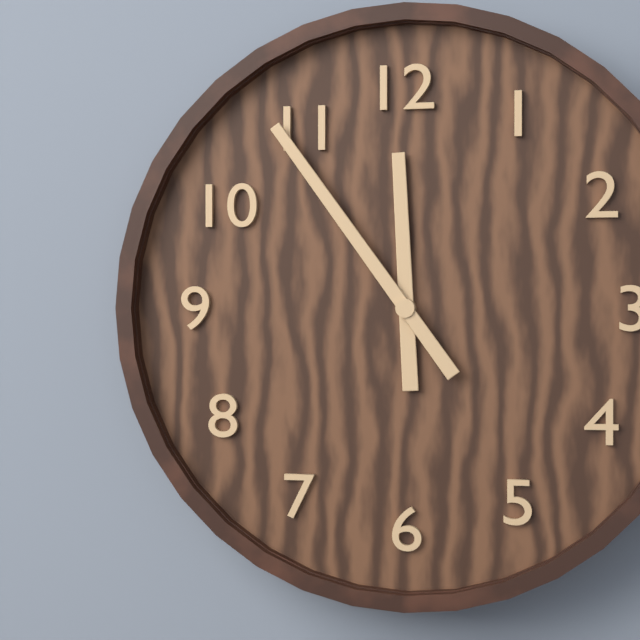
11:54
